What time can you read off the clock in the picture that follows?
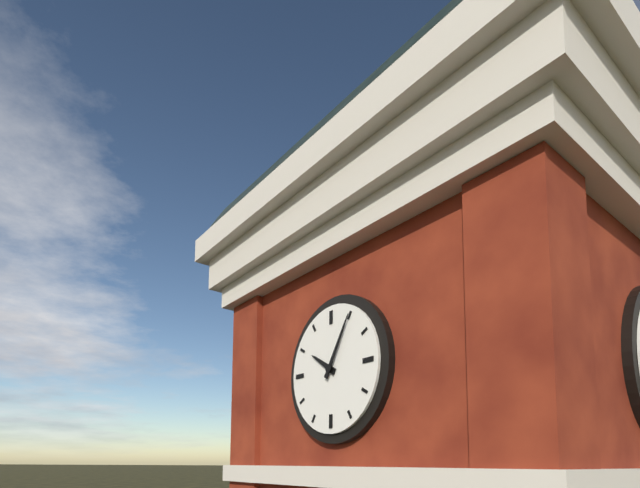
10:05
